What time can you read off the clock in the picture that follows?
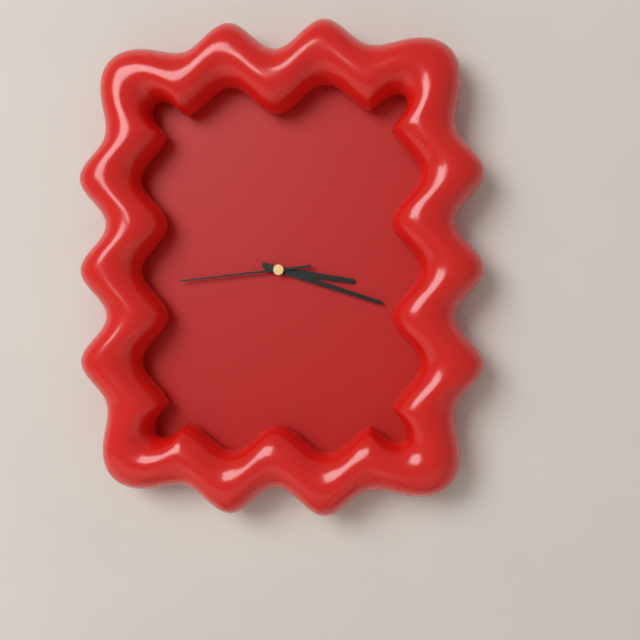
3:18:44
